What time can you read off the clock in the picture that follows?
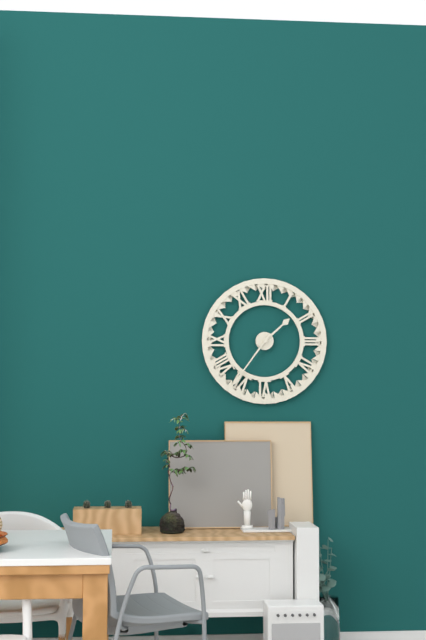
1:36
